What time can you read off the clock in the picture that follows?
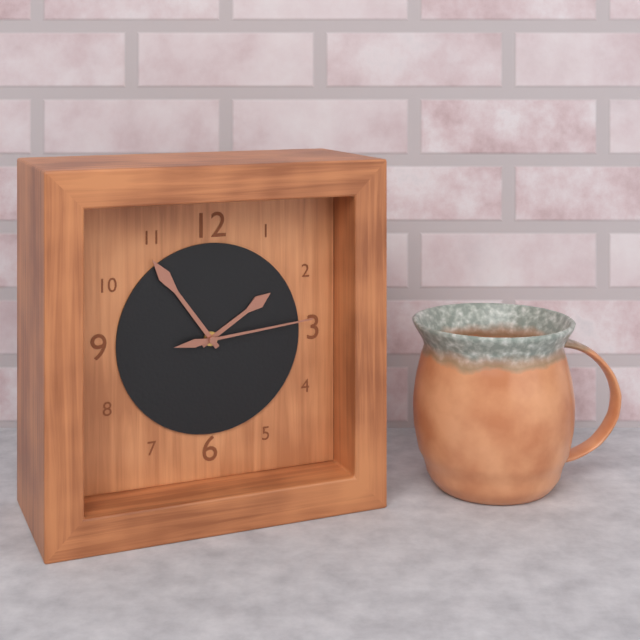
1:54:14
